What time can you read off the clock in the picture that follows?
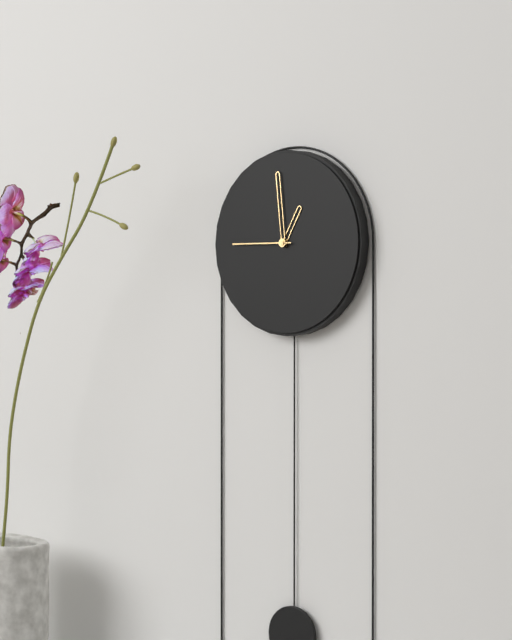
12:59:45
